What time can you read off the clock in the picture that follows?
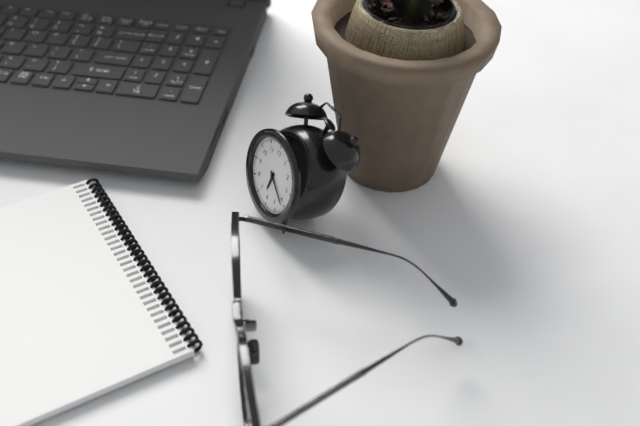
6:21
